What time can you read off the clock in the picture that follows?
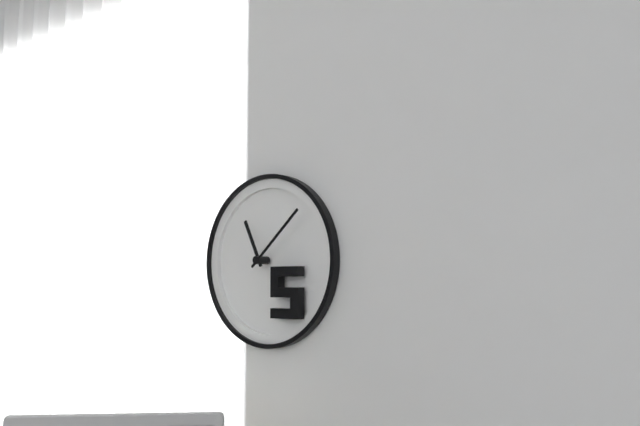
11:08
